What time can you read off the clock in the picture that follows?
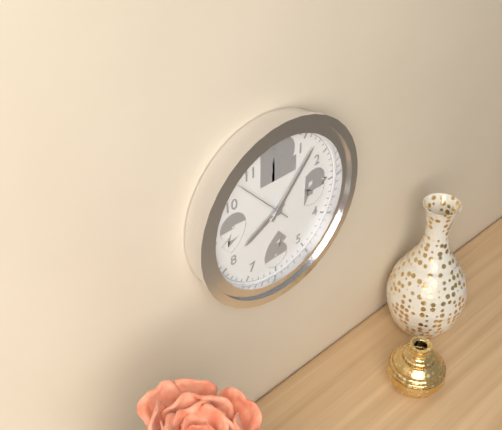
8:07:53
